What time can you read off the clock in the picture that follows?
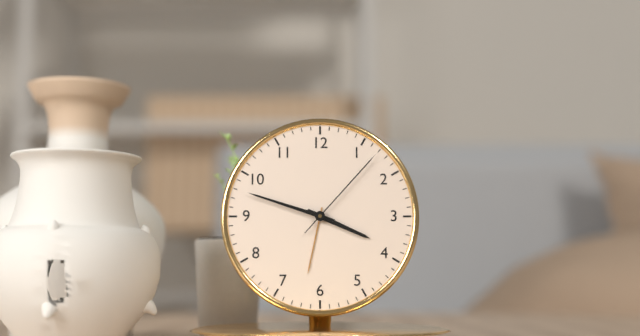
3:48:07
